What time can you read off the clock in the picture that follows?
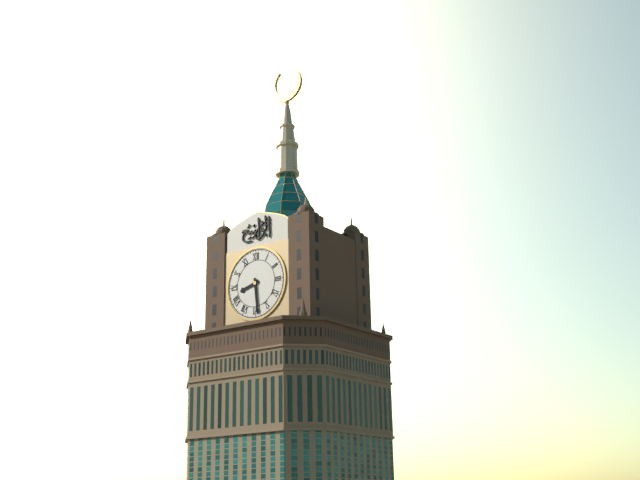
8:29
